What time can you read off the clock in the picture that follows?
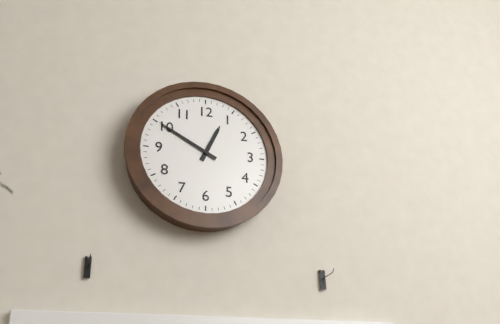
12:50
